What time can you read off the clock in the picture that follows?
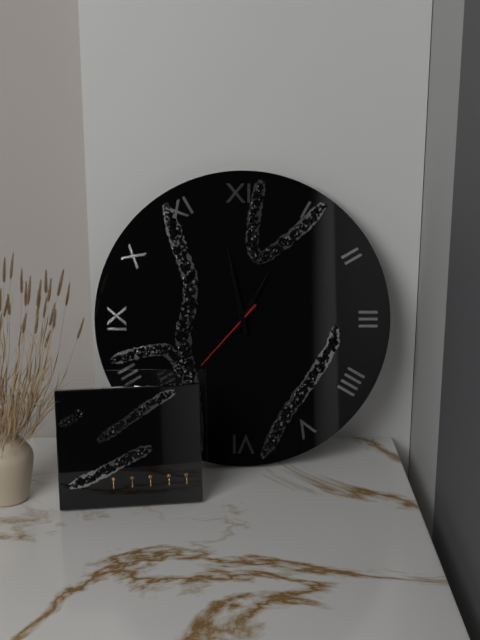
12:58:37
